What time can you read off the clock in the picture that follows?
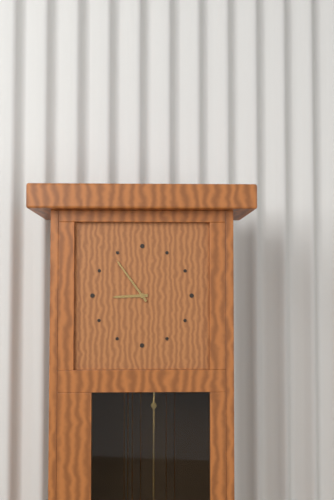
8:54
